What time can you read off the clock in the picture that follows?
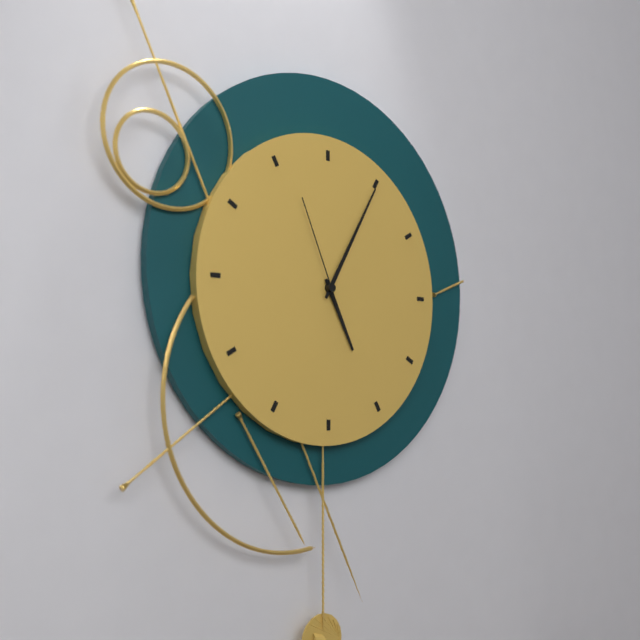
5:05:56
